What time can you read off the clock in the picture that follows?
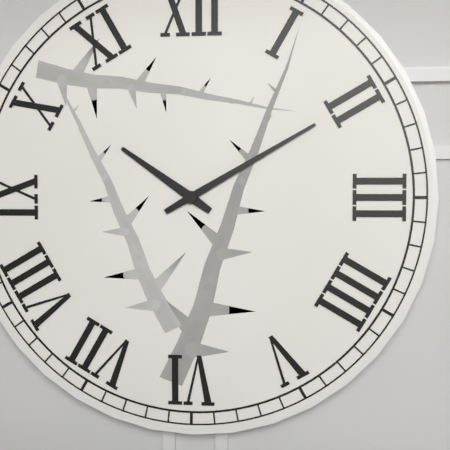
10:10
